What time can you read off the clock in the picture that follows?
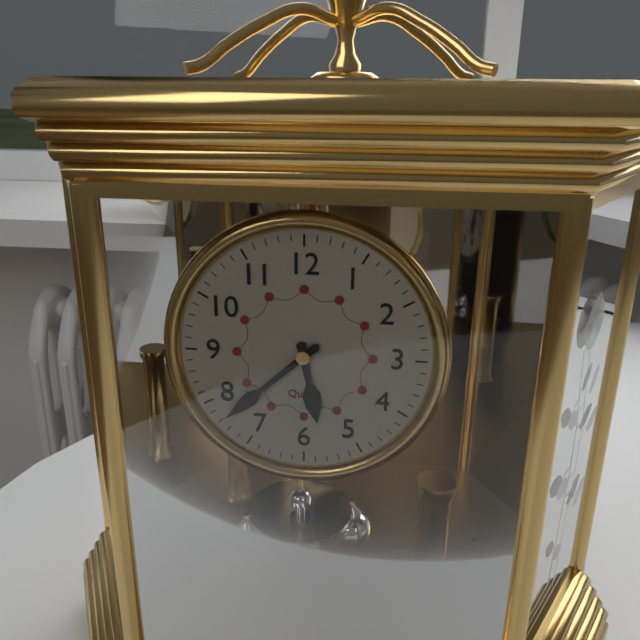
5:38
